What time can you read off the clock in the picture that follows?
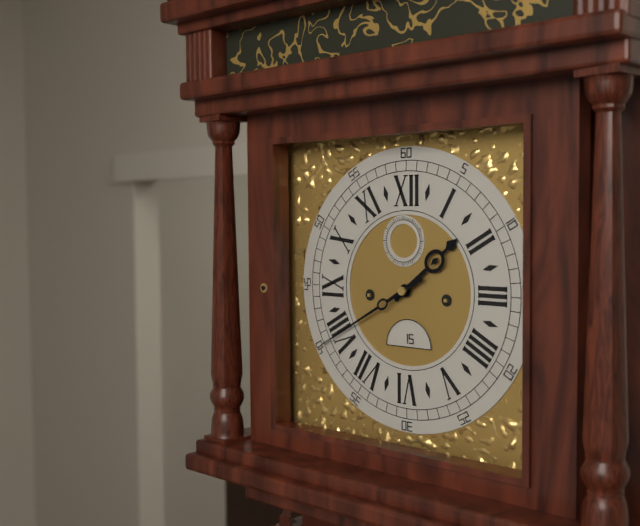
1:40
